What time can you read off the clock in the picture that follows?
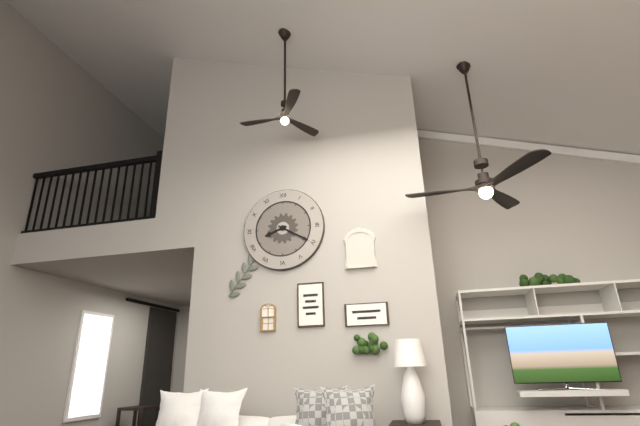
8:20
